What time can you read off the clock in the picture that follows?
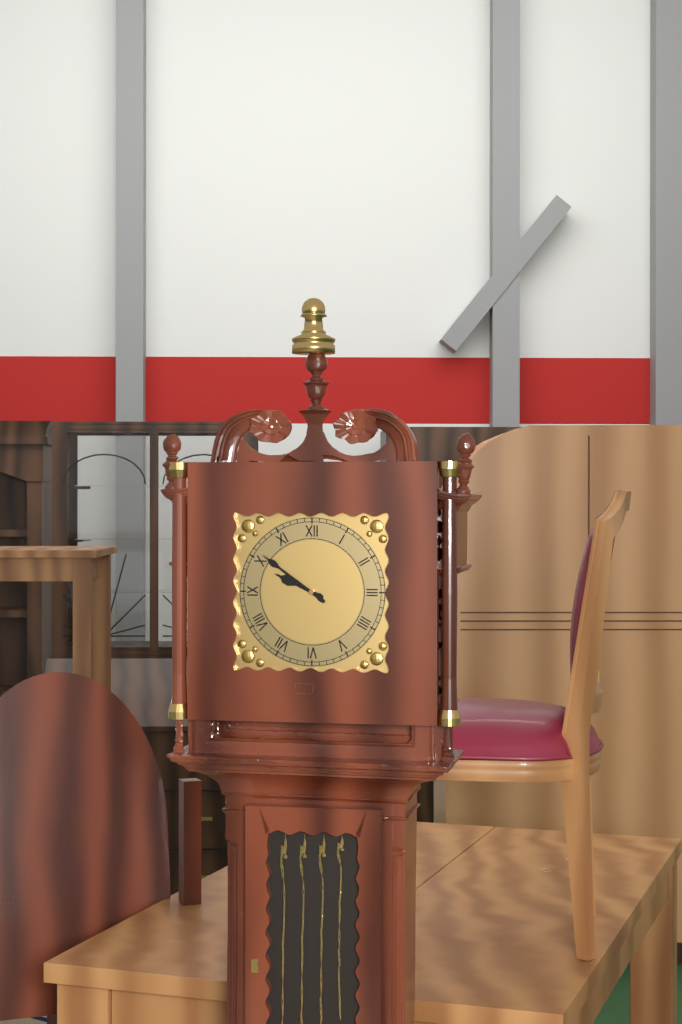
9:51
